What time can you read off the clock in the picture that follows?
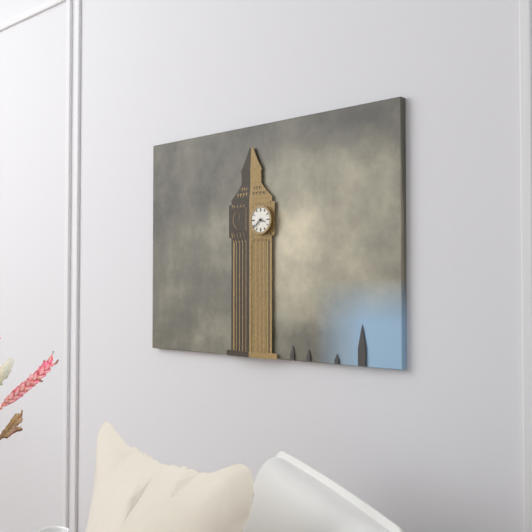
3:38
